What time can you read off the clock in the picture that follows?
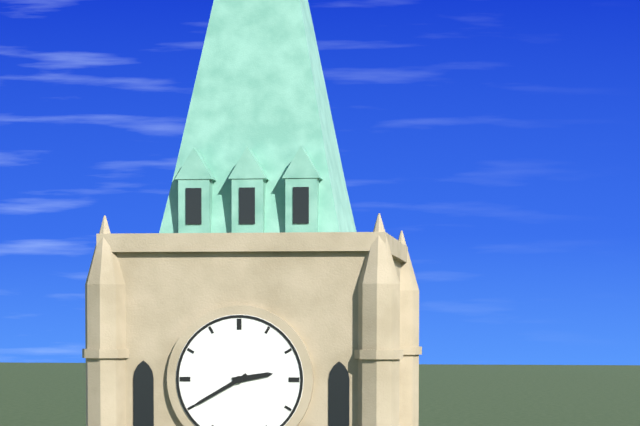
2:40
